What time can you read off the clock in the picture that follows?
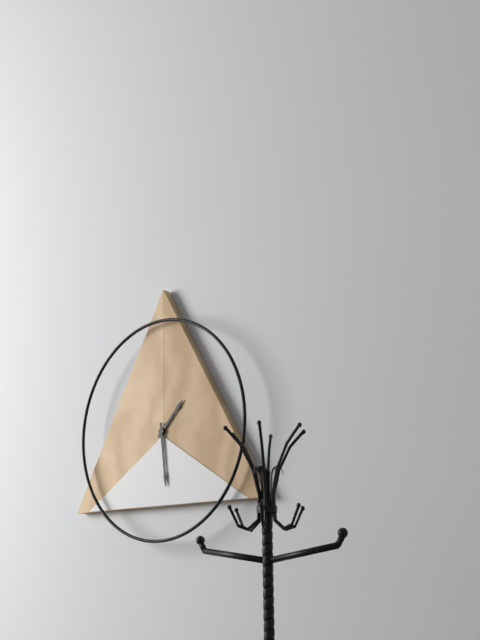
1:29
